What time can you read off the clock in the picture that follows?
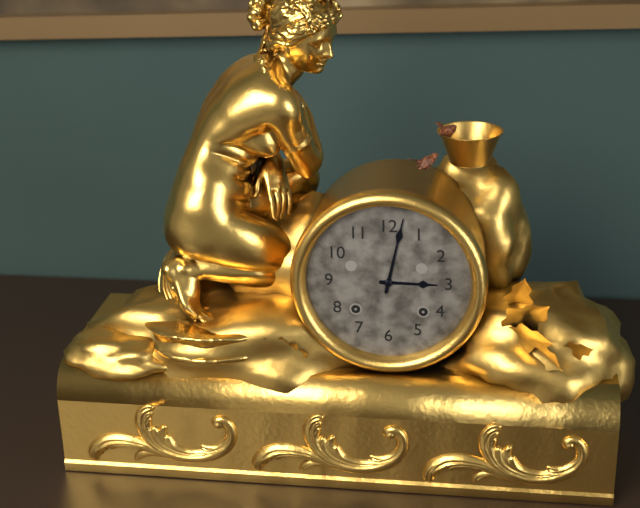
3:02
